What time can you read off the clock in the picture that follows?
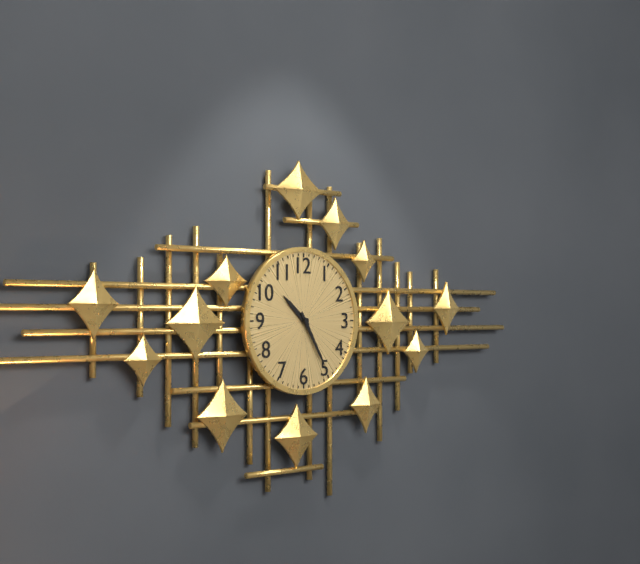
10:25
